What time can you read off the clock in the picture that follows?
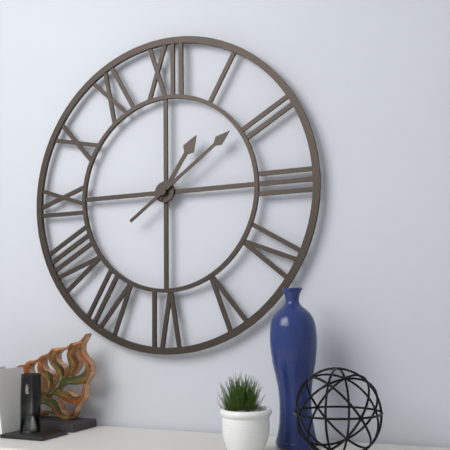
1:09
